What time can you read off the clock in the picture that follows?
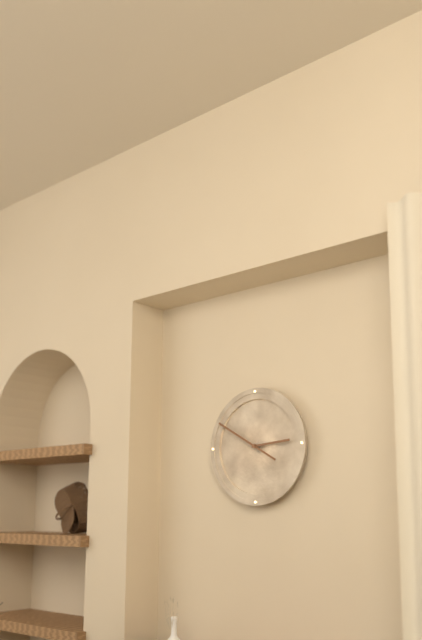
2:50
